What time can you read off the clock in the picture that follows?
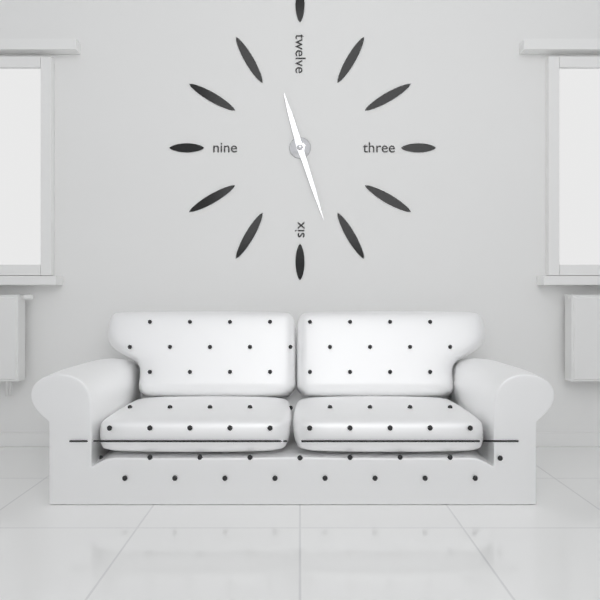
11:27
